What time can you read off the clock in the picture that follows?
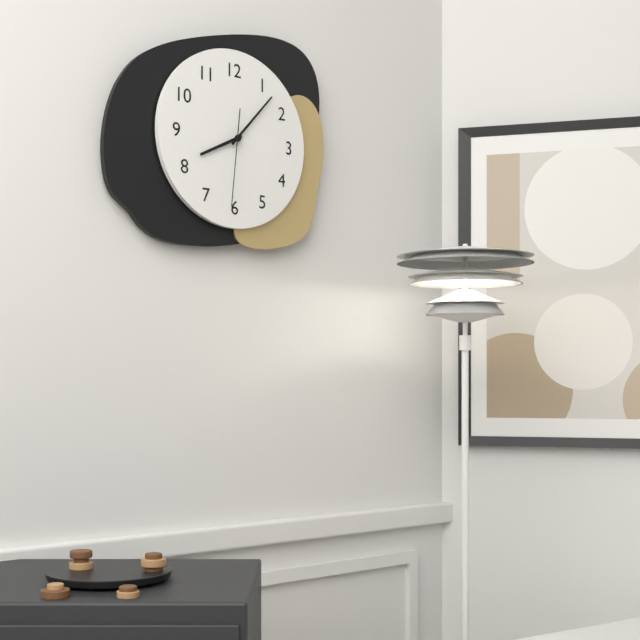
8:07:31
